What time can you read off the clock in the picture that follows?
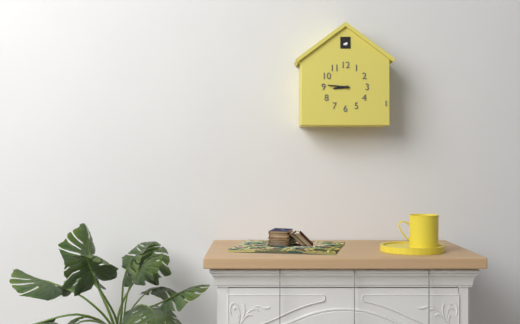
8:46
